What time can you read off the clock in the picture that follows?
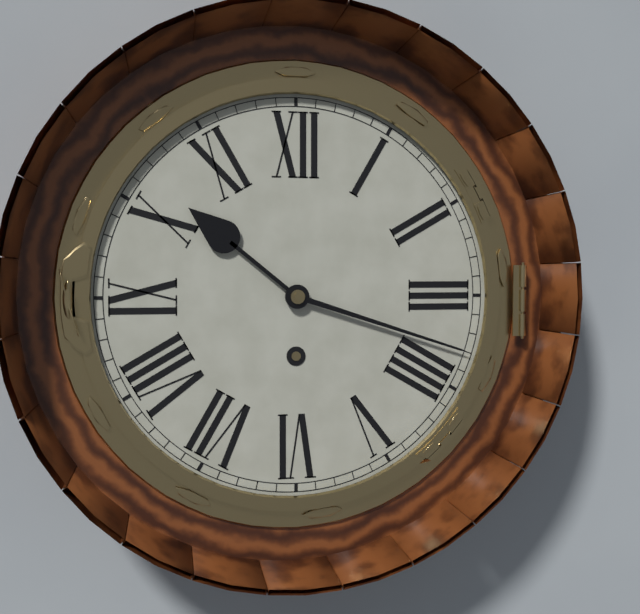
10:18
